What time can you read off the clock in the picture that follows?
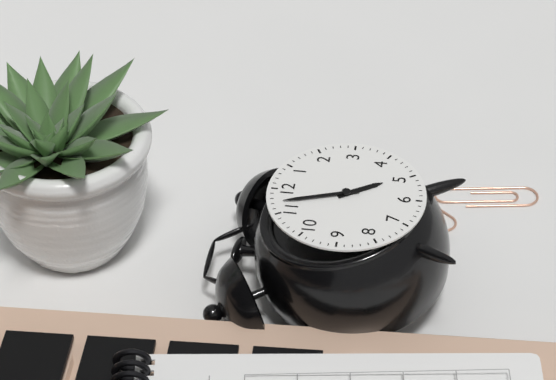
4:57
